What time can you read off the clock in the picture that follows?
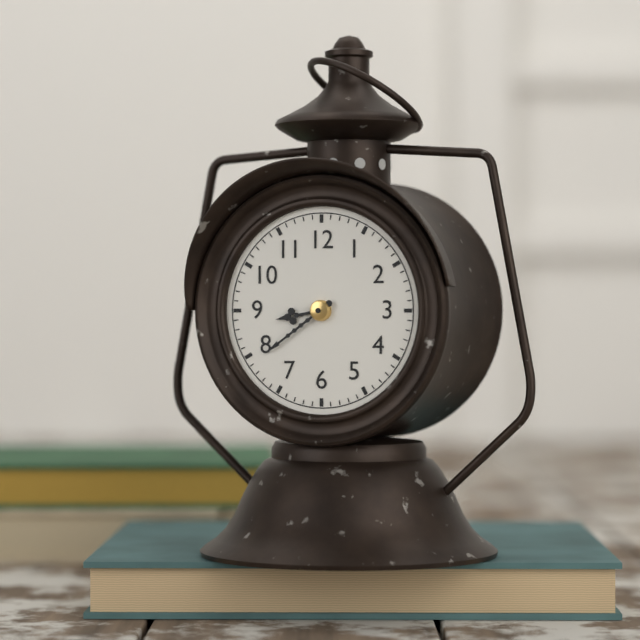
8:39
